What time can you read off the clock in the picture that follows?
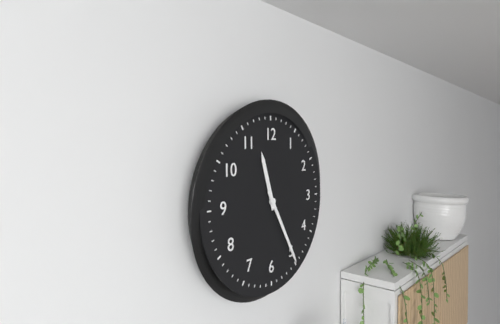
11:25
